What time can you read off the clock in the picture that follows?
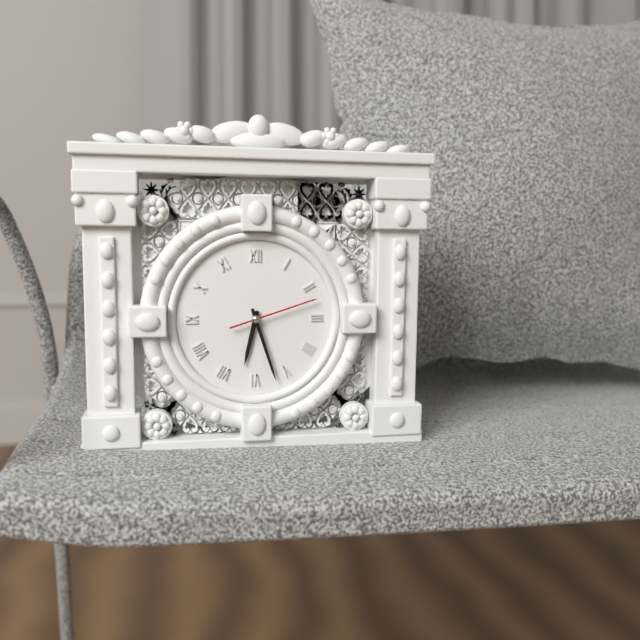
6:27:12
